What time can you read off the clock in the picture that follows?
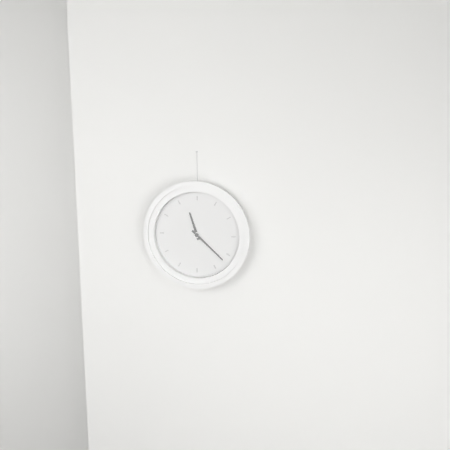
11:22
